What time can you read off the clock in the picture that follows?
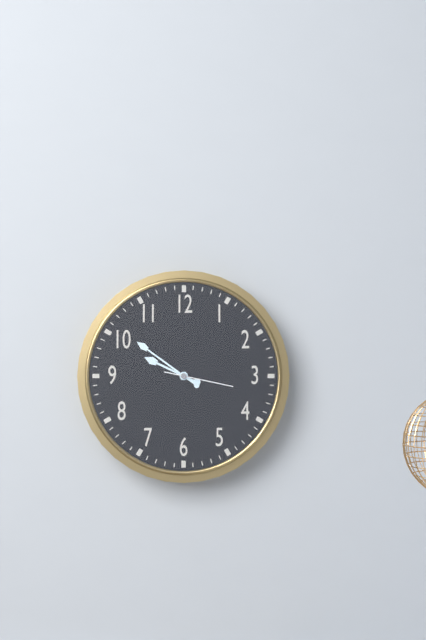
9:51:17
